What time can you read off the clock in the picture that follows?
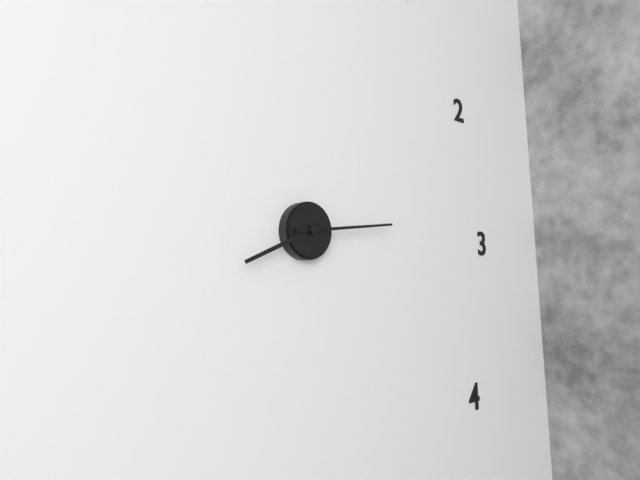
8:14
